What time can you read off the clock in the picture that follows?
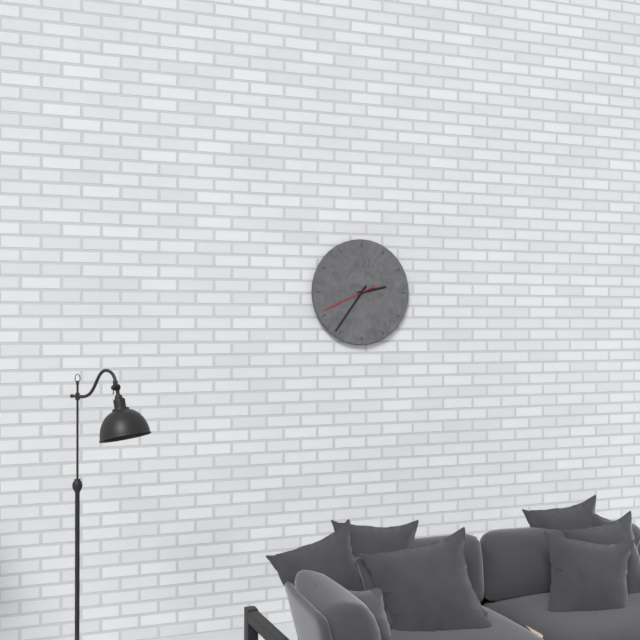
2:36:41
